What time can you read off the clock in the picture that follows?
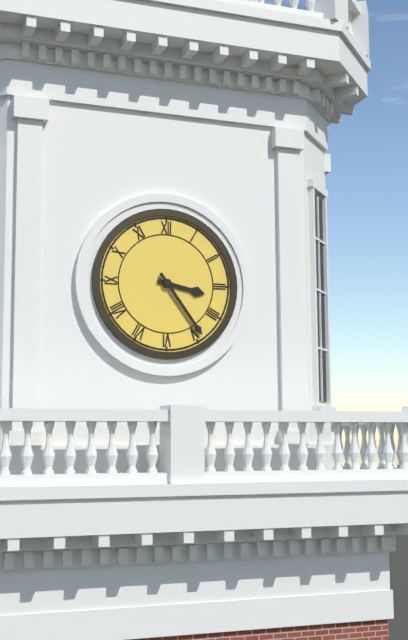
3:24
